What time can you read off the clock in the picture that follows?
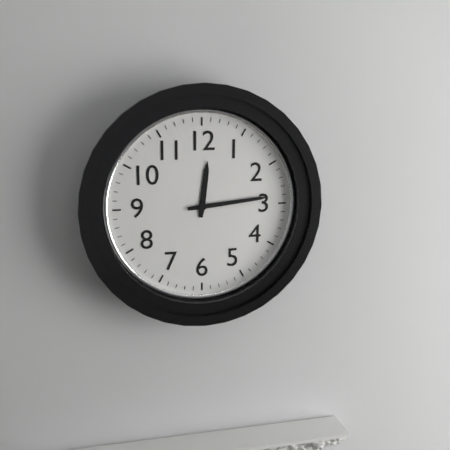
12:14
